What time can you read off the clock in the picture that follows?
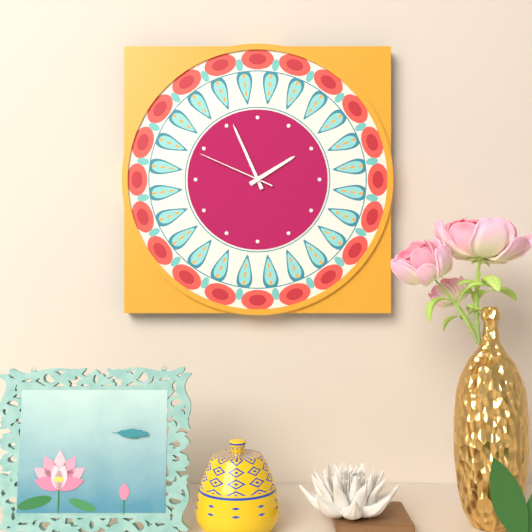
1:56:49
